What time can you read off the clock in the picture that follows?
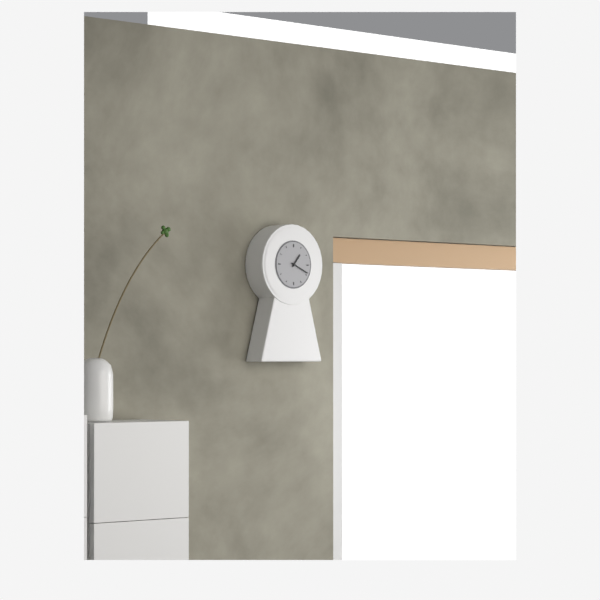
1:19
